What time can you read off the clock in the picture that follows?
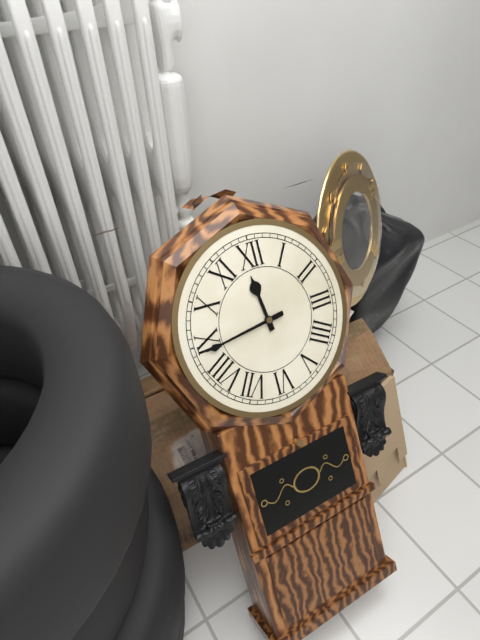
11:44
